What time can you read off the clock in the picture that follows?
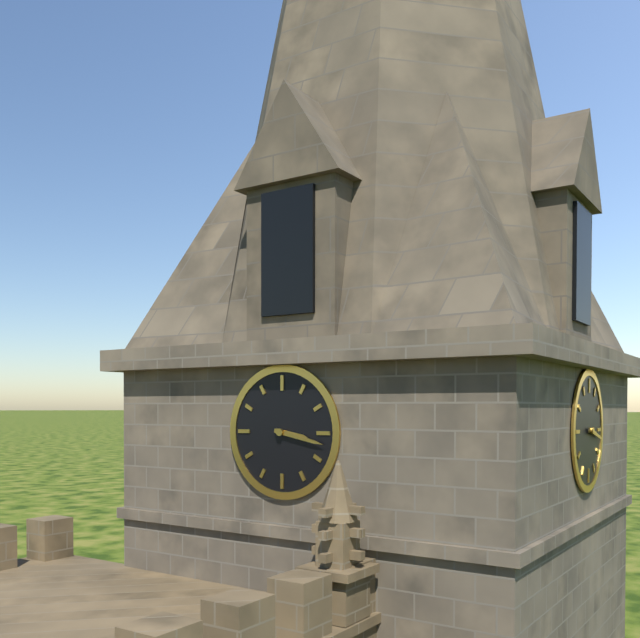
3:17
